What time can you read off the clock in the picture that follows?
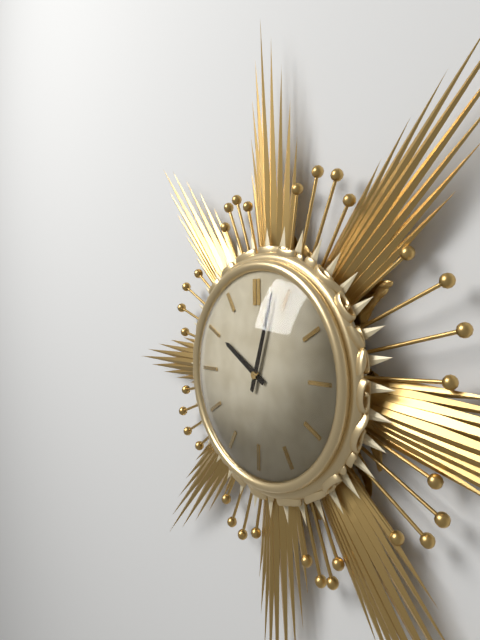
10:03
